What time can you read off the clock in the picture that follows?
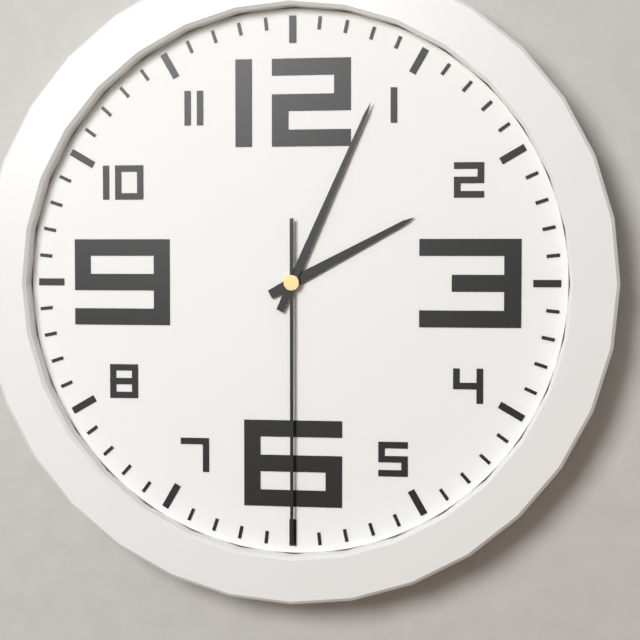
2:04:30
